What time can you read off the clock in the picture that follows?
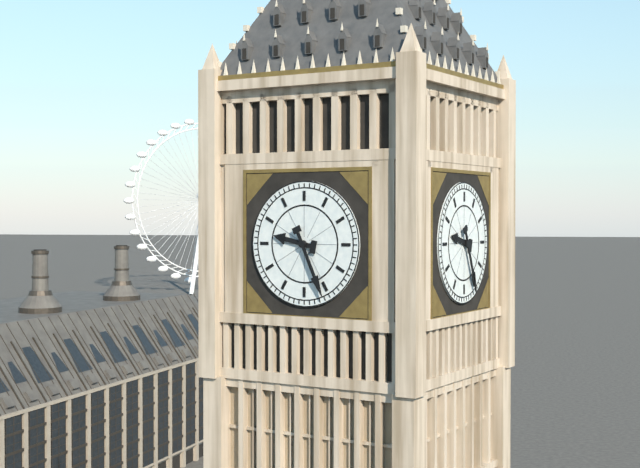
9:26
